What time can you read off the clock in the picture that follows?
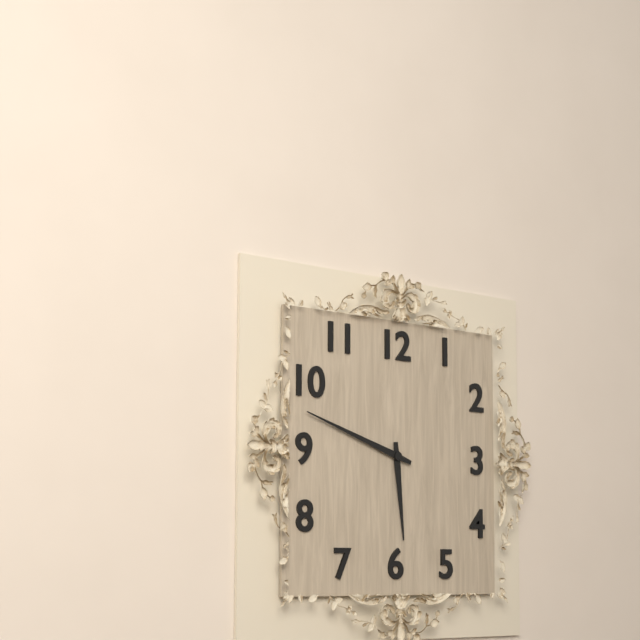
5:48
